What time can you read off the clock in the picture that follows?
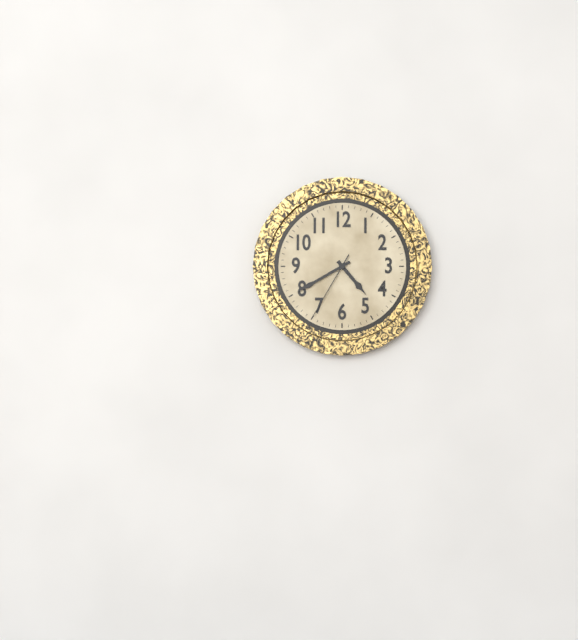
4:40:35
